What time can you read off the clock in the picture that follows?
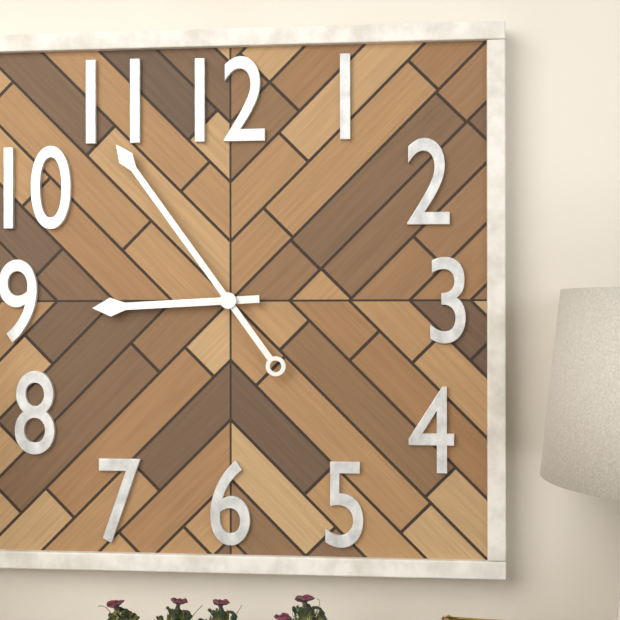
8:54
